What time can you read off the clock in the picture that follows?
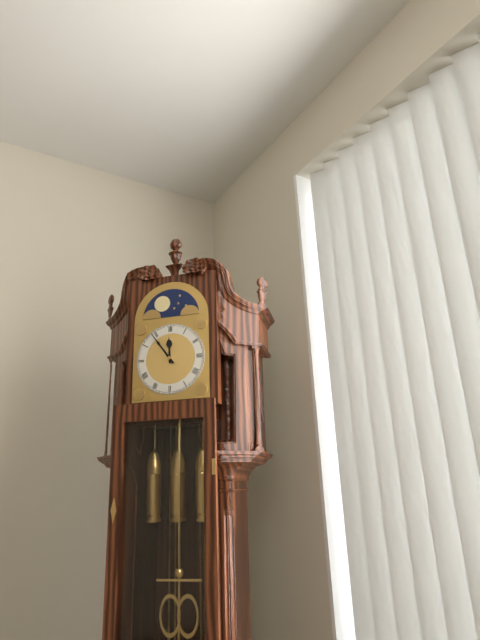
11:54
